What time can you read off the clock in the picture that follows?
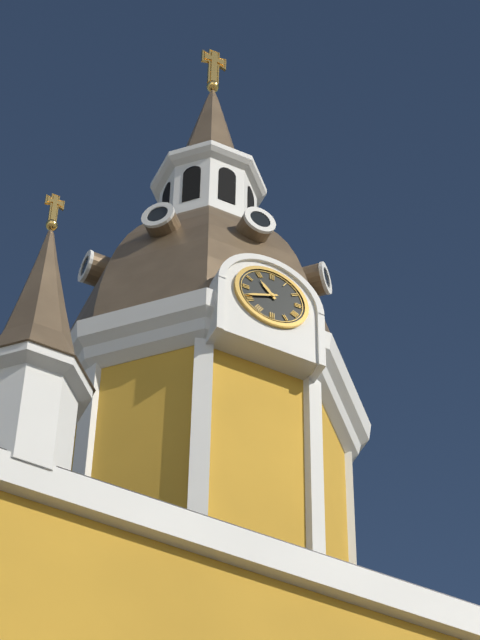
10:41
